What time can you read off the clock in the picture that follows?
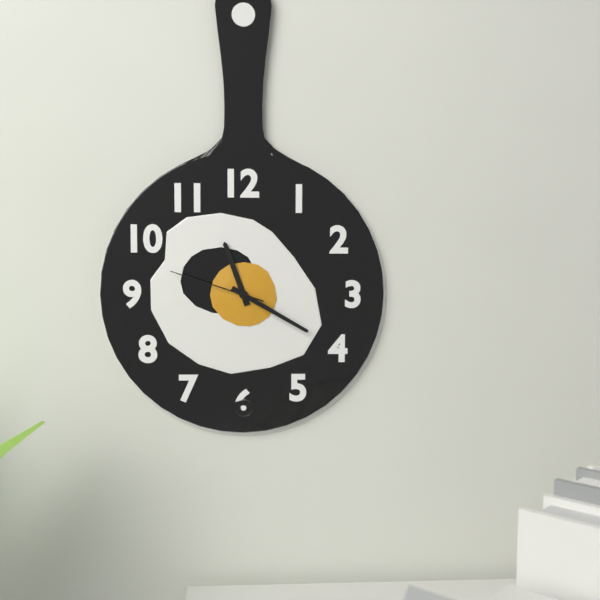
11:20:48
